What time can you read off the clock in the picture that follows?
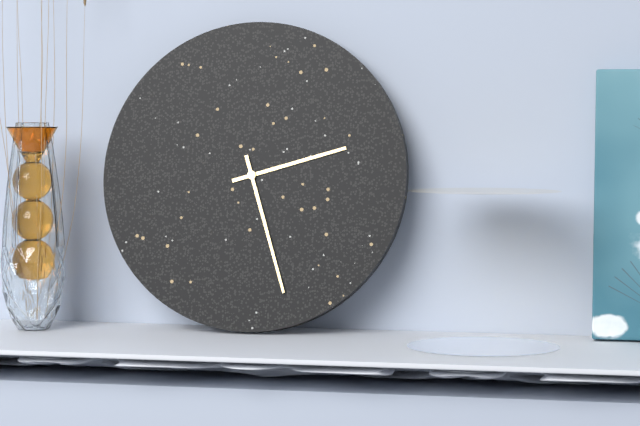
2:27
